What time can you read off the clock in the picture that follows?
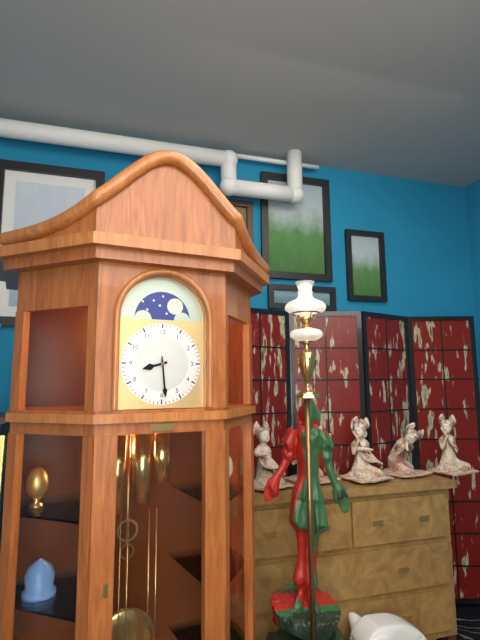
8:29
